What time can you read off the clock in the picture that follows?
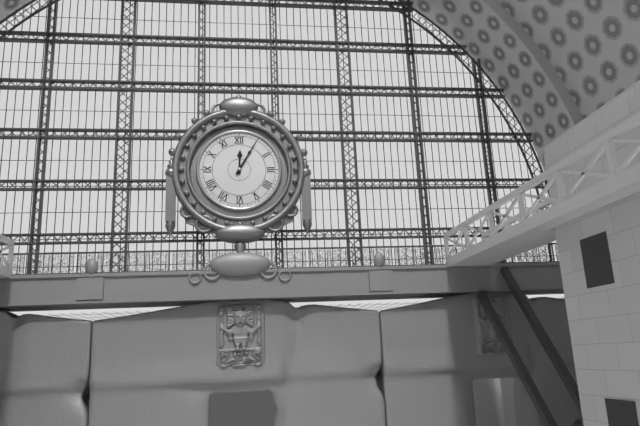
12:05
